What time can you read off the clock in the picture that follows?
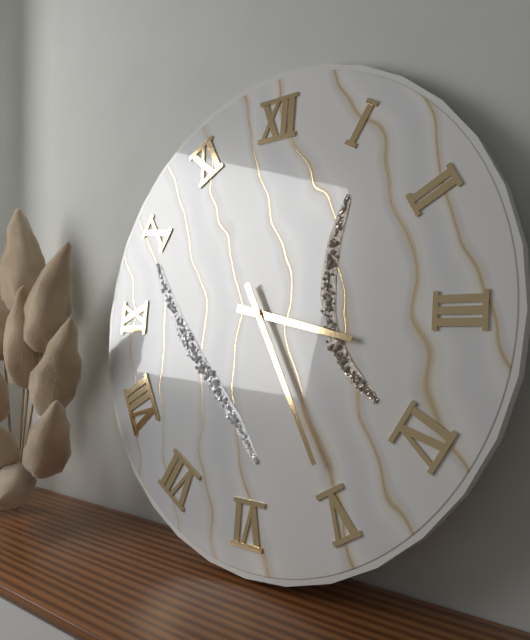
3:25
